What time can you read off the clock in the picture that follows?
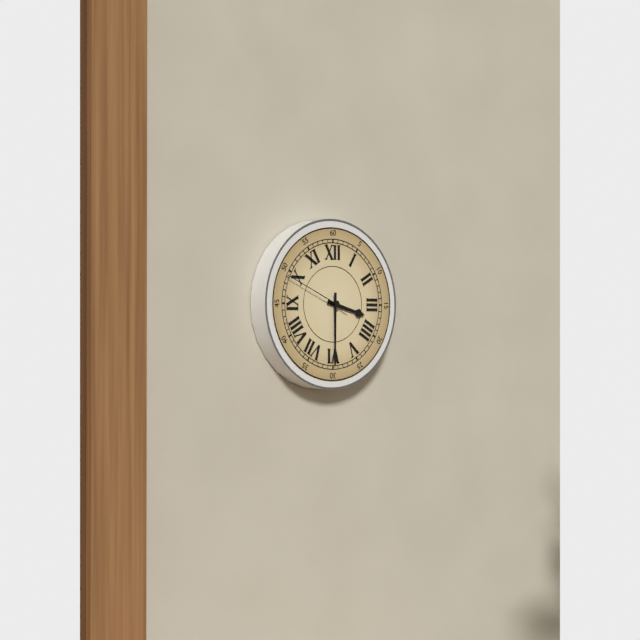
3:30:49
